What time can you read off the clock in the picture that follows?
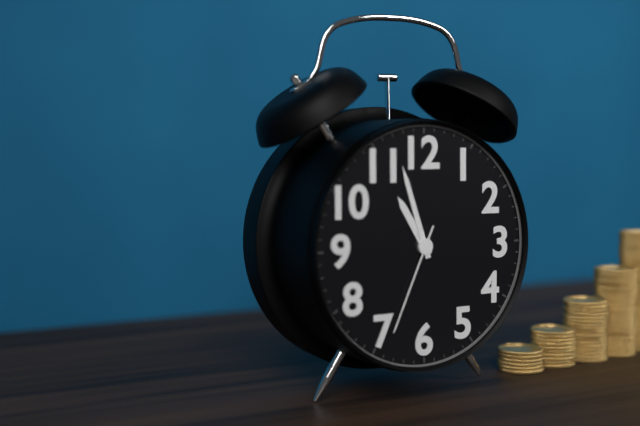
10:57:34
